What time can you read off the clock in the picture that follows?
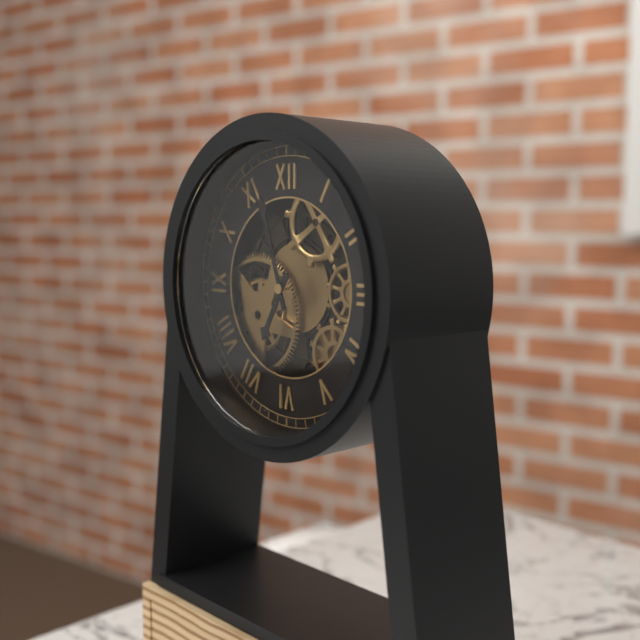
6:57
